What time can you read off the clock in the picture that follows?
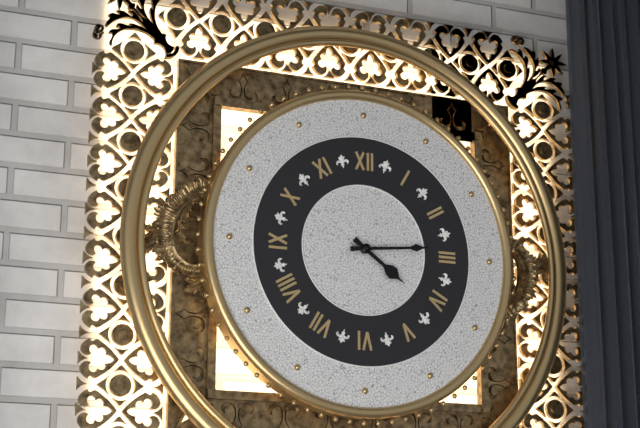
4:14
